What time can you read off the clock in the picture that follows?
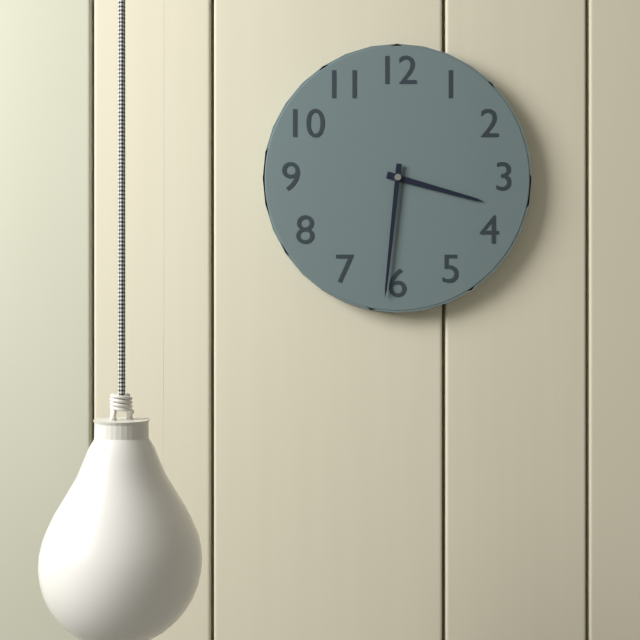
3:31
